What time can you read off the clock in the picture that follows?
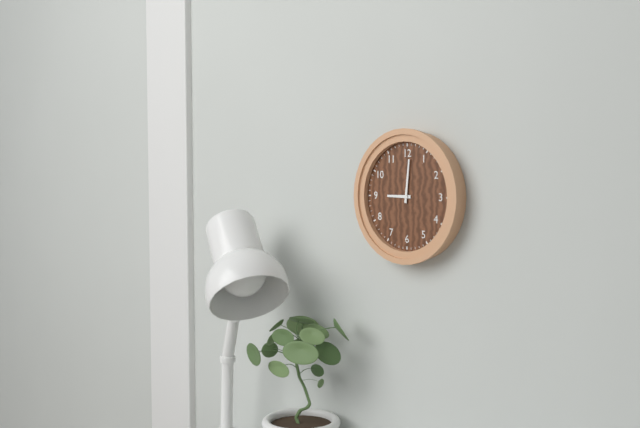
9:01
